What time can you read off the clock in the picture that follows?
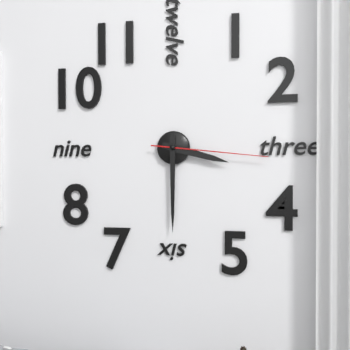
3:30:16
